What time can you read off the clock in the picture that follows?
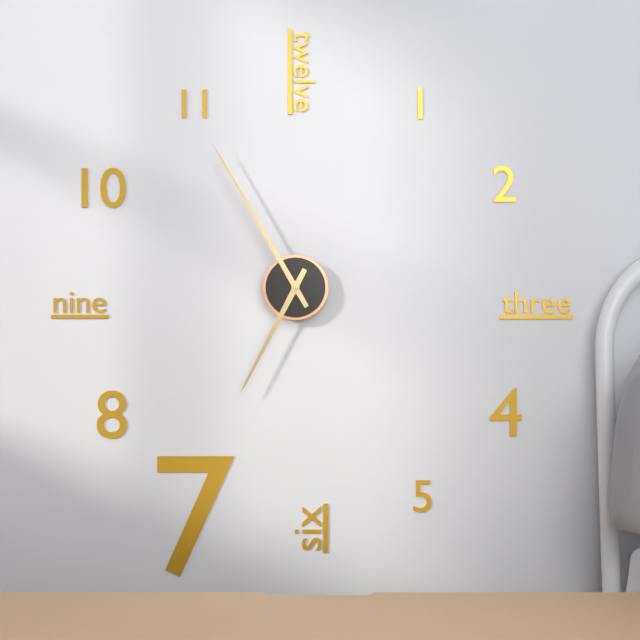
6:55
